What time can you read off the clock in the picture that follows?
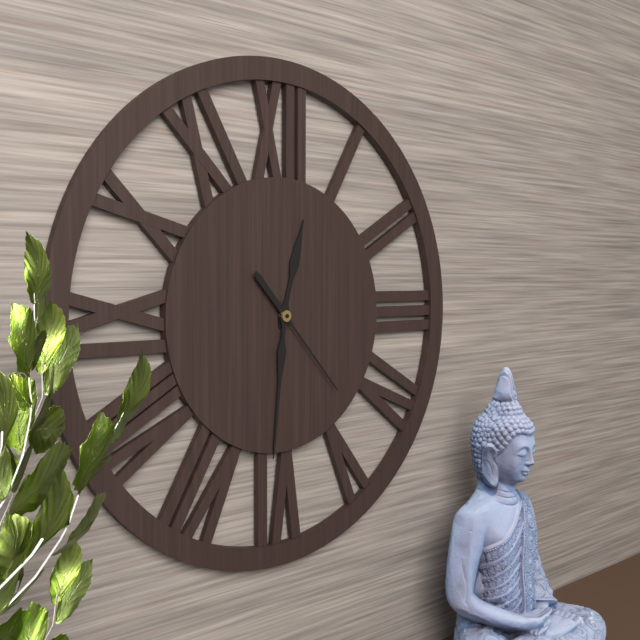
12:31:23
